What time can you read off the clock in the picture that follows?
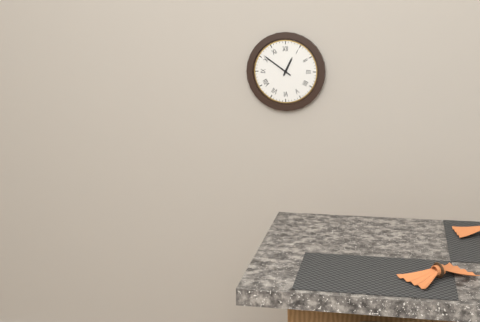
12:51
